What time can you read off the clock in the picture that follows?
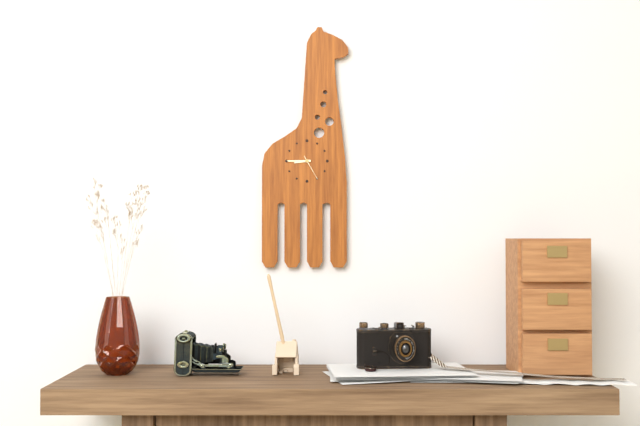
8:45
